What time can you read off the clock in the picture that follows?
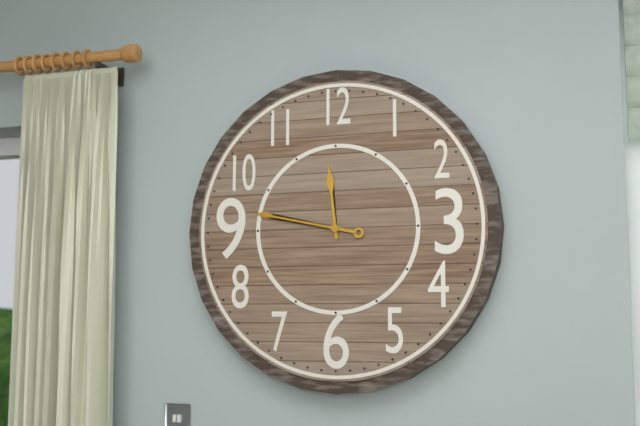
11:47
